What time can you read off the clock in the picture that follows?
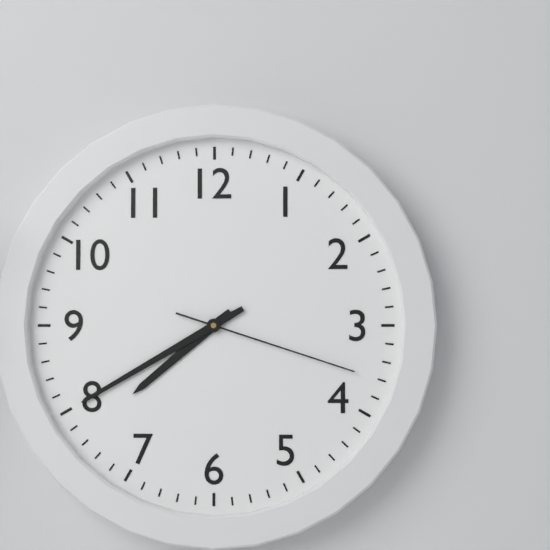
7:40:18
